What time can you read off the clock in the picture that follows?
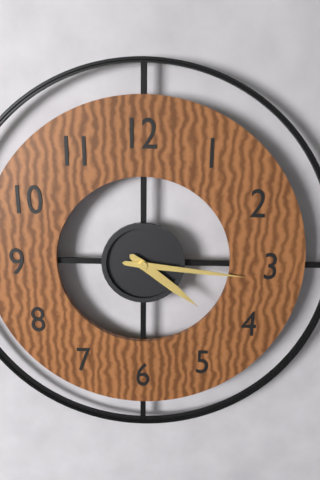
4:16
